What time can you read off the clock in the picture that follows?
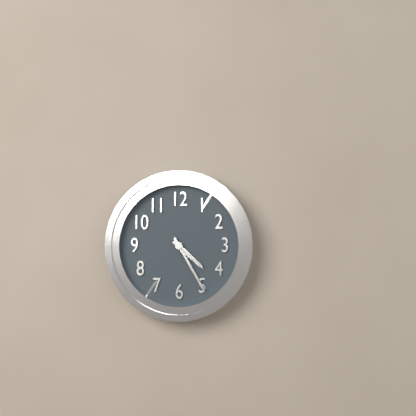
4:25
